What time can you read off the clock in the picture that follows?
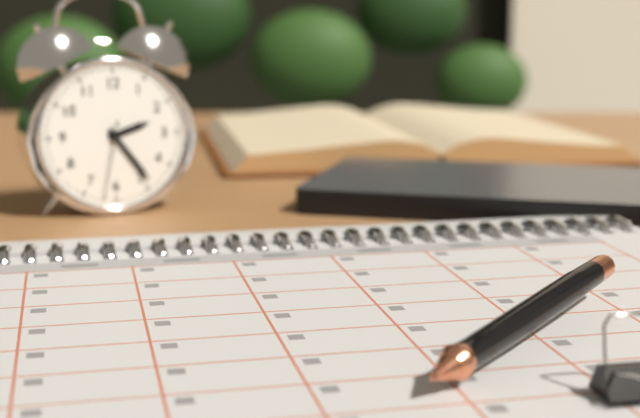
2:24:32
